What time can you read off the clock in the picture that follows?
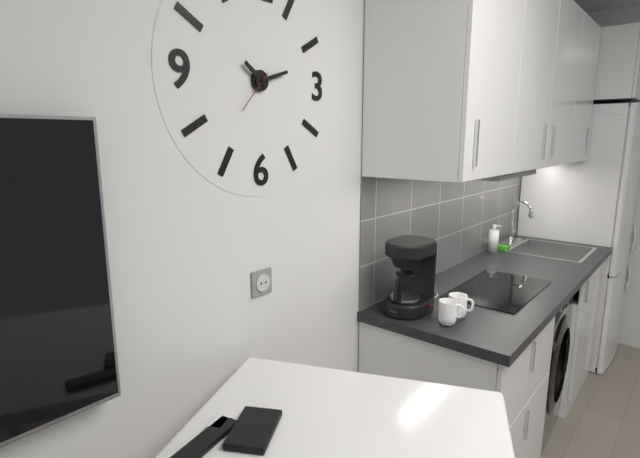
10:12
